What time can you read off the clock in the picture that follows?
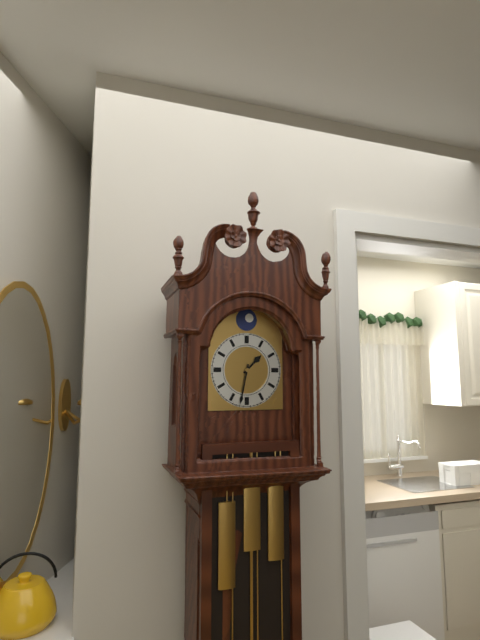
1:32
